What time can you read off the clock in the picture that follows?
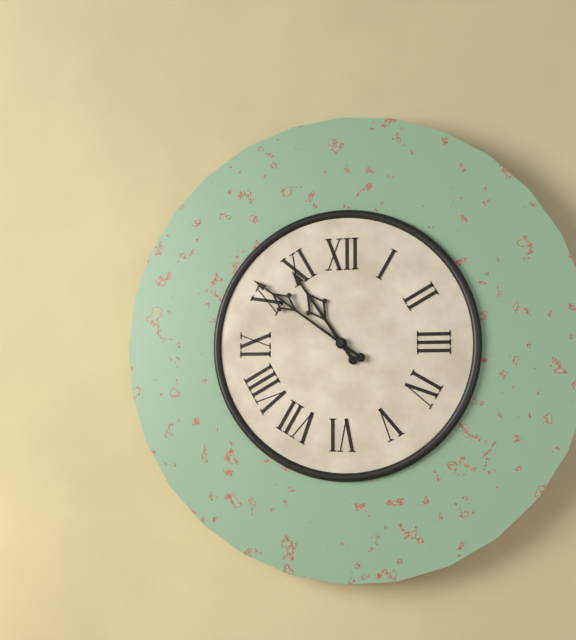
10:51
